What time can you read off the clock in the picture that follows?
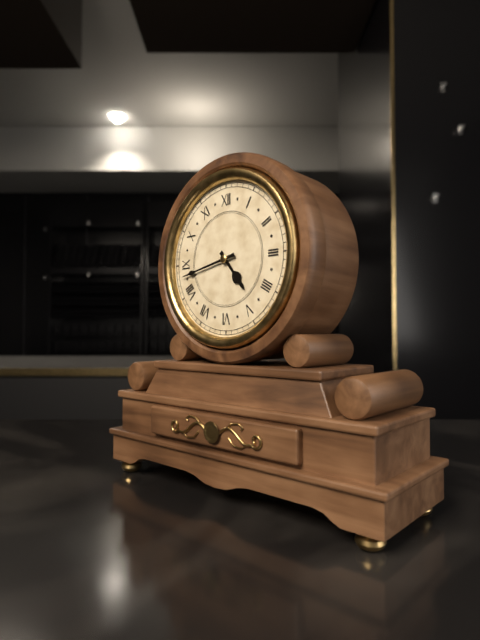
4:43
